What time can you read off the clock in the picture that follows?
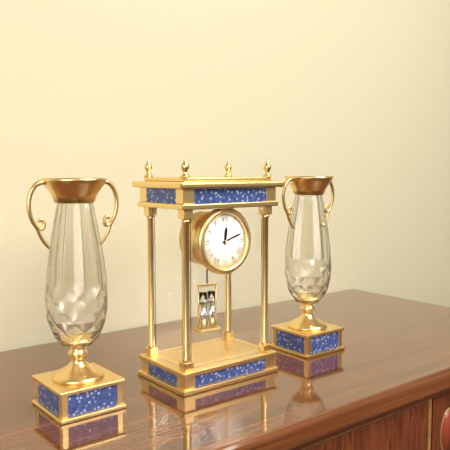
12:12
